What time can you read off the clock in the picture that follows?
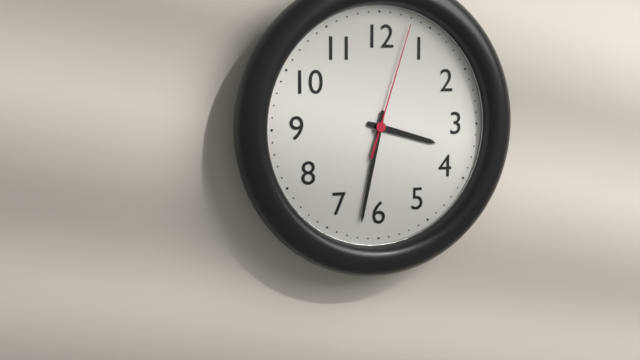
3:32:03
